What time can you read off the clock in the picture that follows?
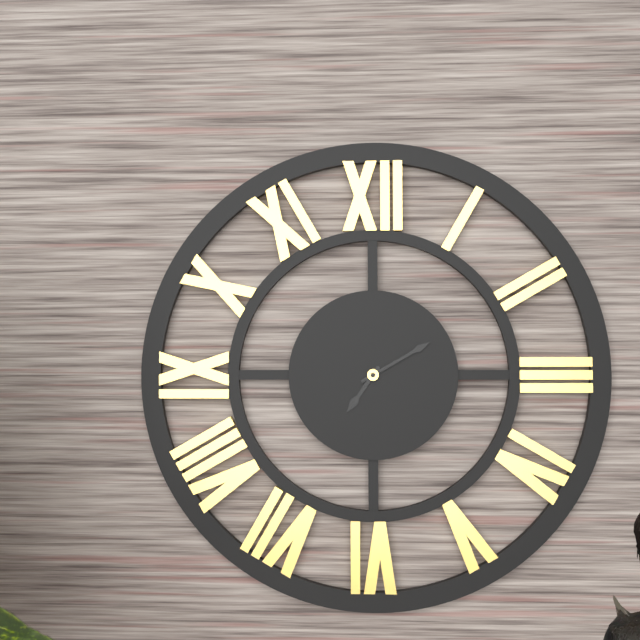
7:10
